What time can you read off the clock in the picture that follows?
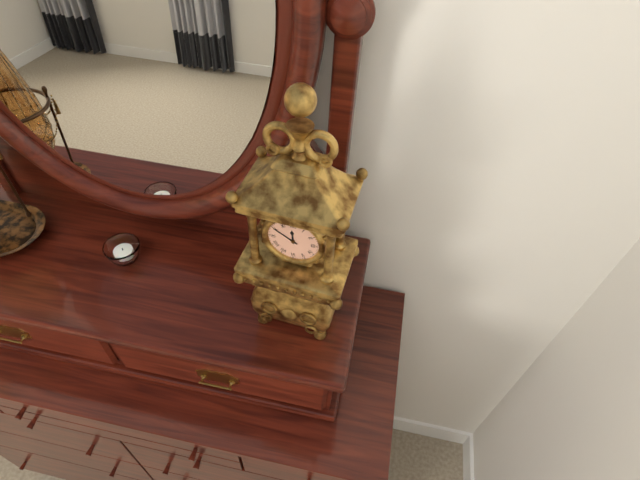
11:50
